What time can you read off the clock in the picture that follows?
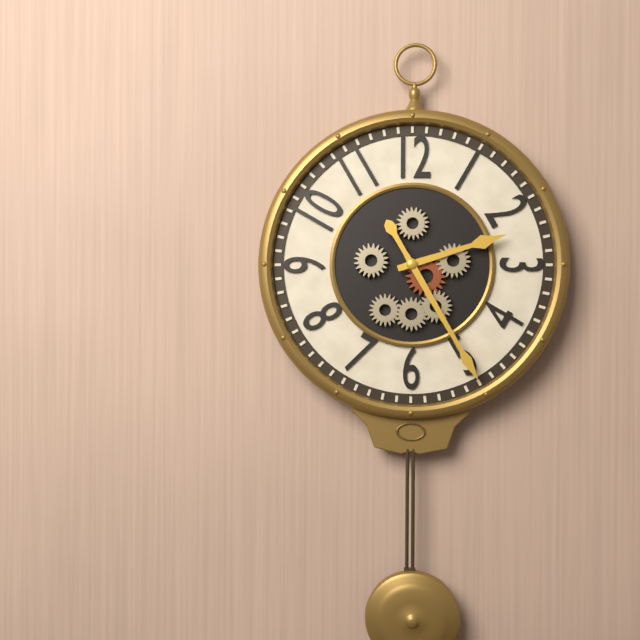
2:25
